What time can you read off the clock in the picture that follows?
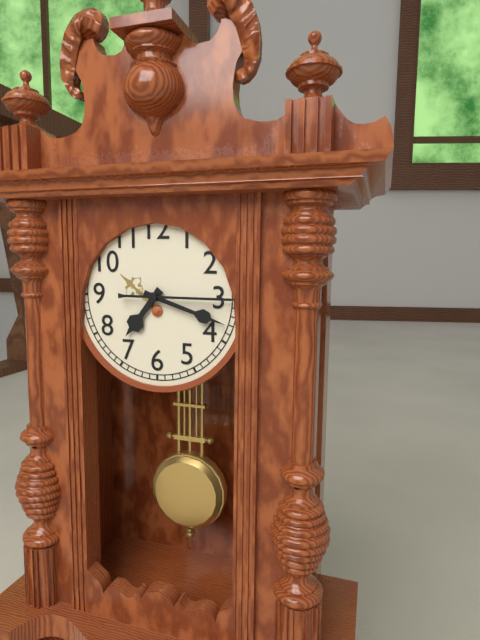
7:18:15
